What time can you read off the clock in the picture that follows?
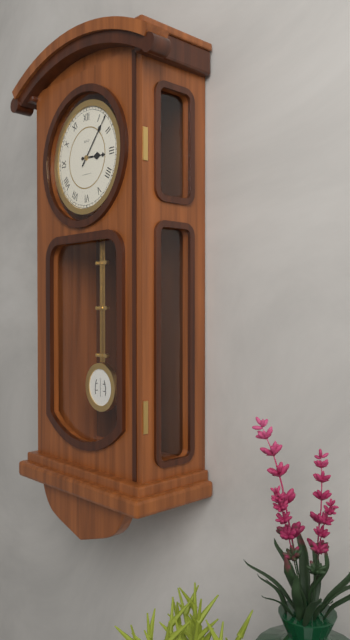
3:07
